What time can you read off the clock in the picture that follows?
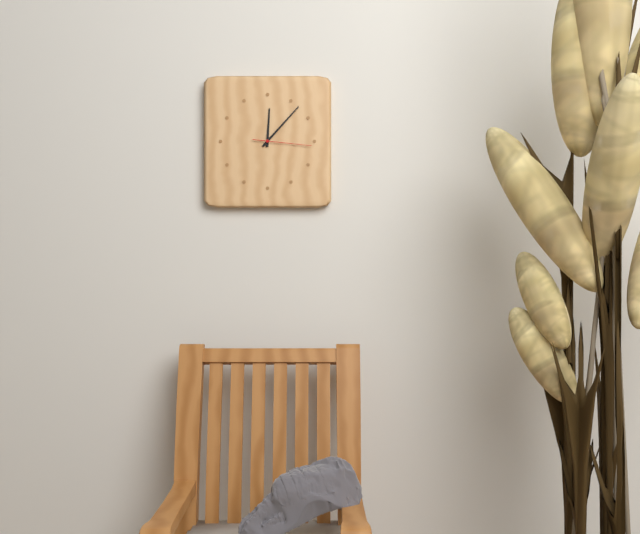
12:07:16
